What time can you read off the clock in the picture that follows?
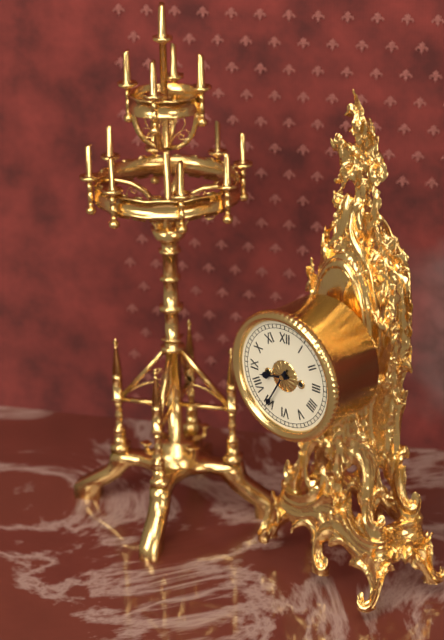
8:35
